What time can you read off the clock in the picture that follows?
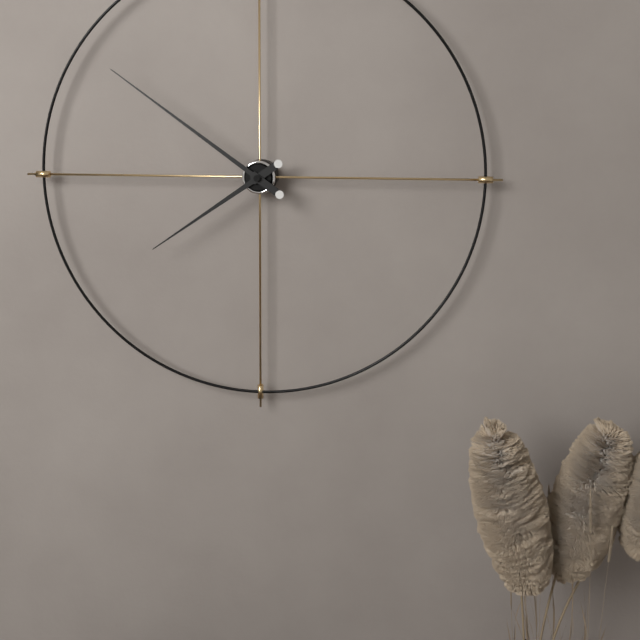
7:51
